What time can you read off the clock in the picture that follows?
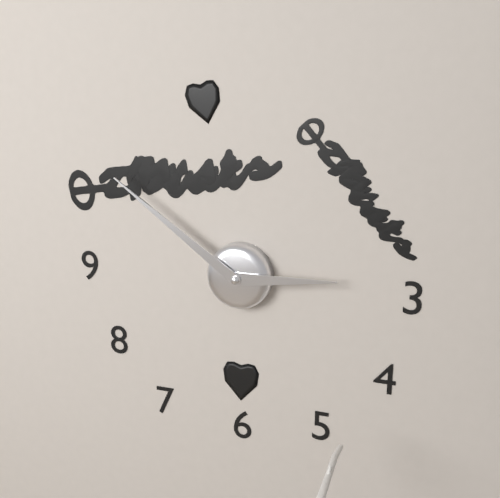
2:51
